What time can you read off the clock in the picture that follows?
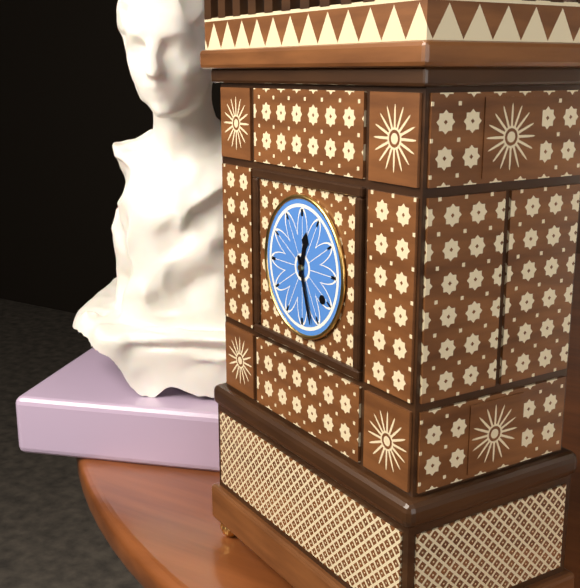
12:27
